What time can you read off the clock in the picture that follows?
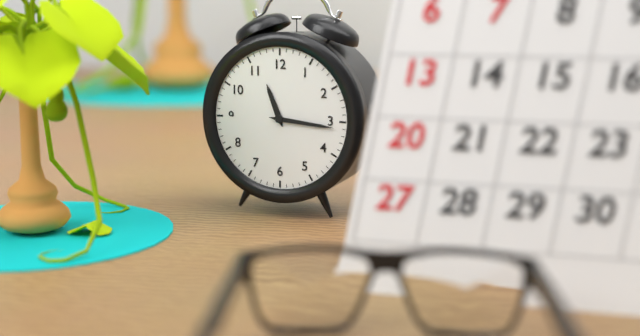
11:16
